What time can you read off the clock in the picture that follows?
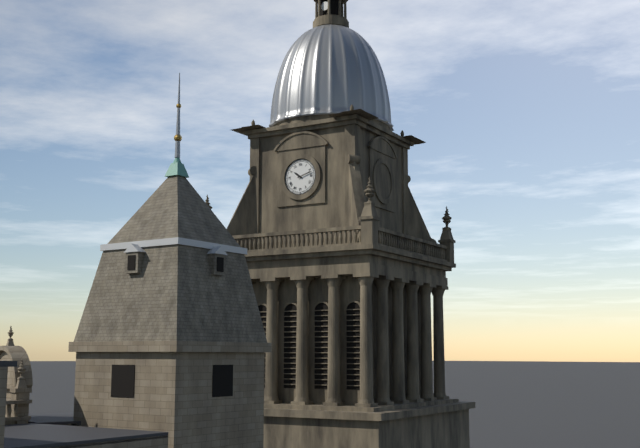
10:12
